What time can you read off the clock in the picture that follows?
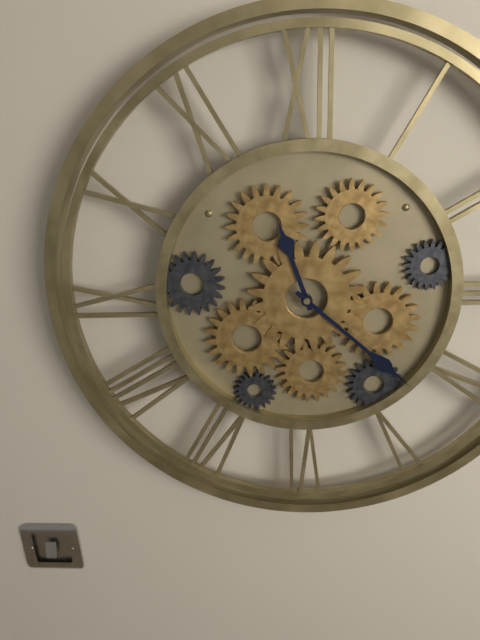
11:22
